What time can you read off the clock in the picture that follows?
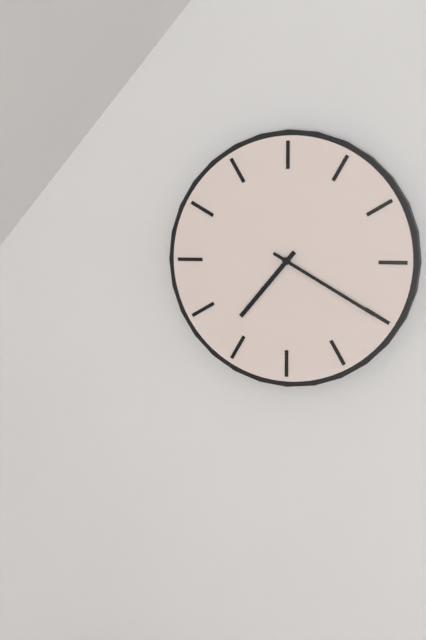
7:20
